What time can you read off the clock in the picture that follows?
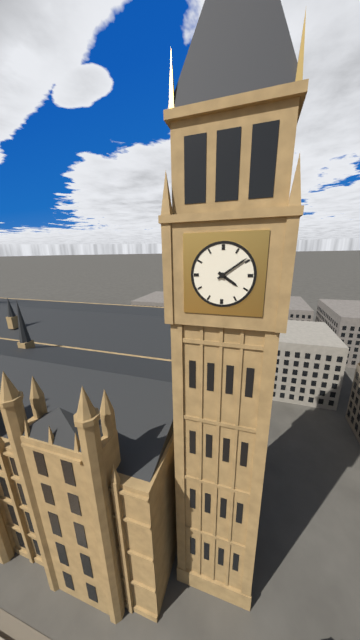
4:09
